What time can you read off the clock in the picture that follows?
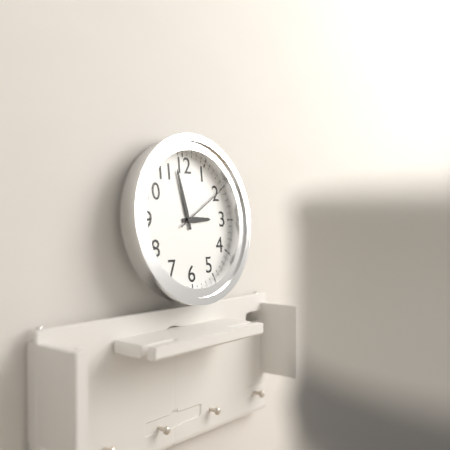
2:58:10
